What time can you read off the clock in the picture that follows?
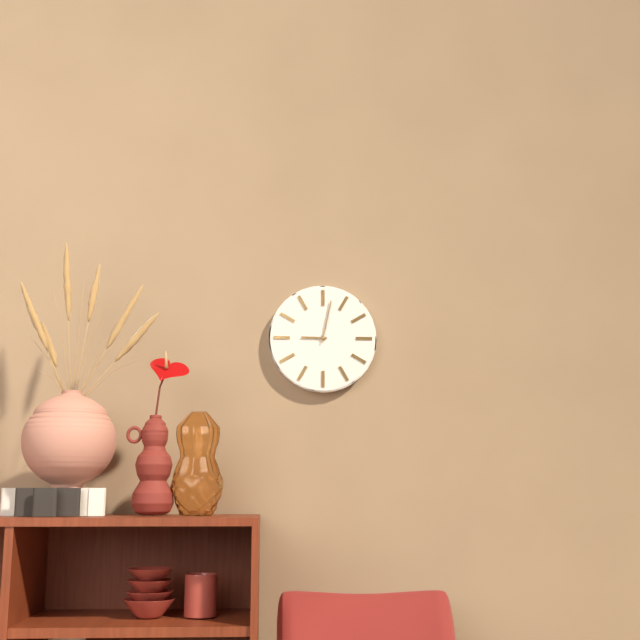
9:02
